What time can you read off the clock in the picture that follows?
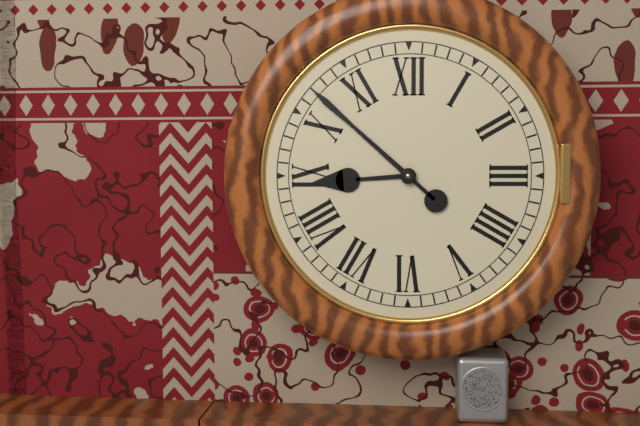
8:52
